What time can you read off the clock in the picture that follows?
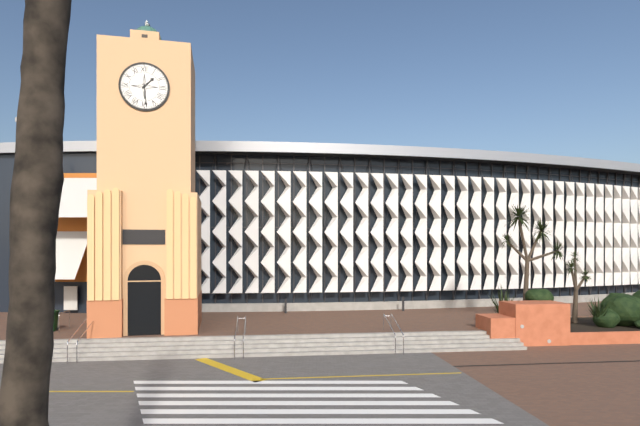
1:29
